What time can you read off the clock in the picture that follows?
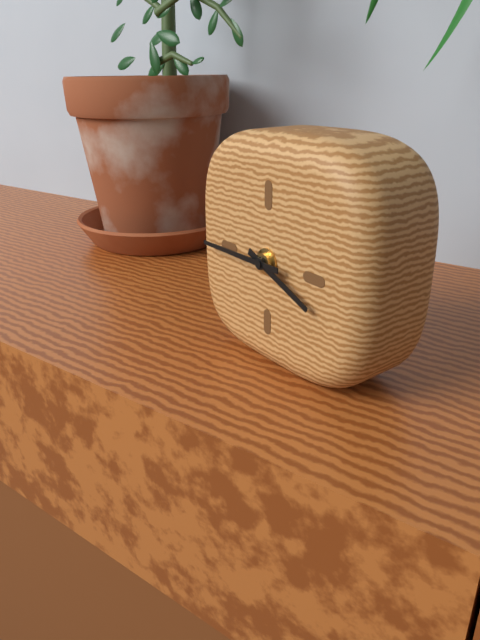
3:45
